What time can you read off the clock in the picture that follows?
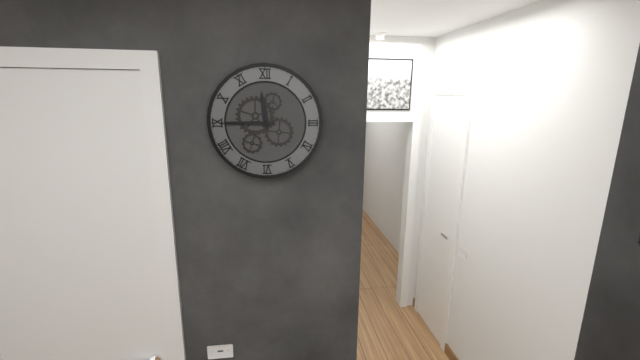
11:45
